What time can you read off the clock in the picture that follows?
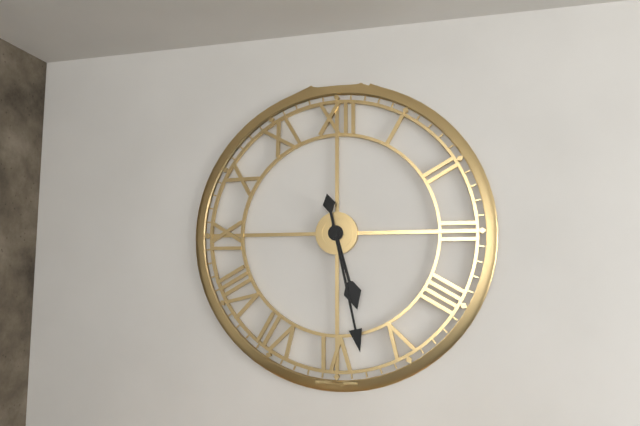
5:28
